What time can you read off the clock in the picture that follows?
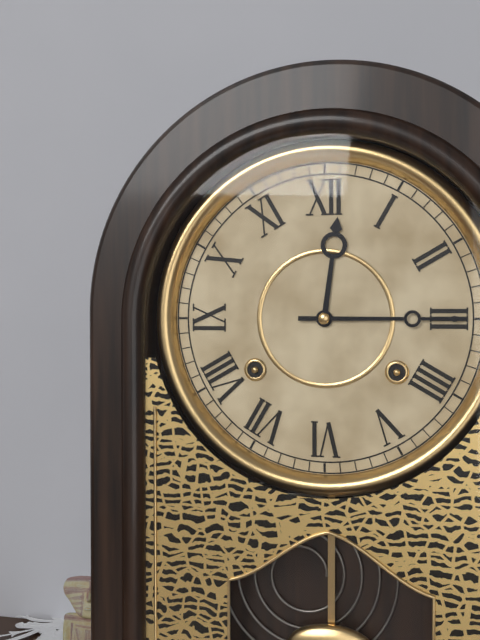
12:15
